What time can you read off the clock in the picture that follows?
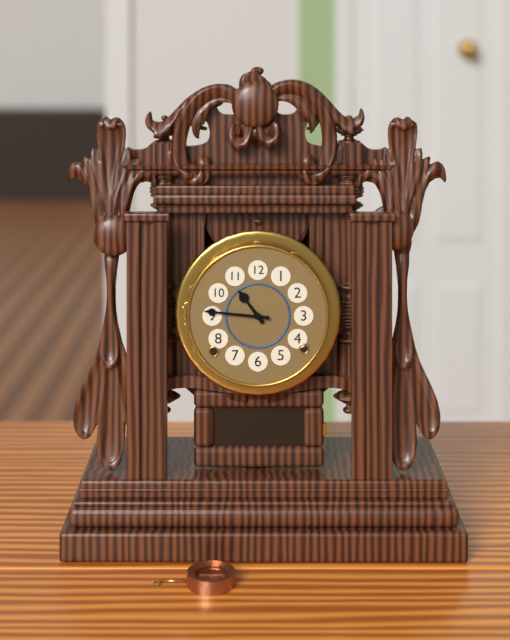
10:46
